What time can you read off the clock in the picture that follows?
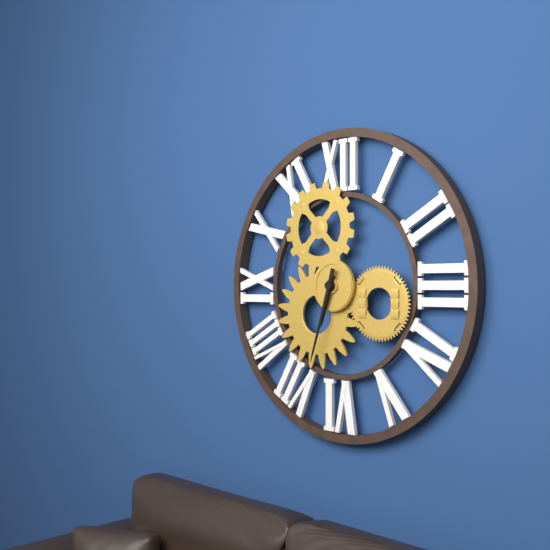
6:33
